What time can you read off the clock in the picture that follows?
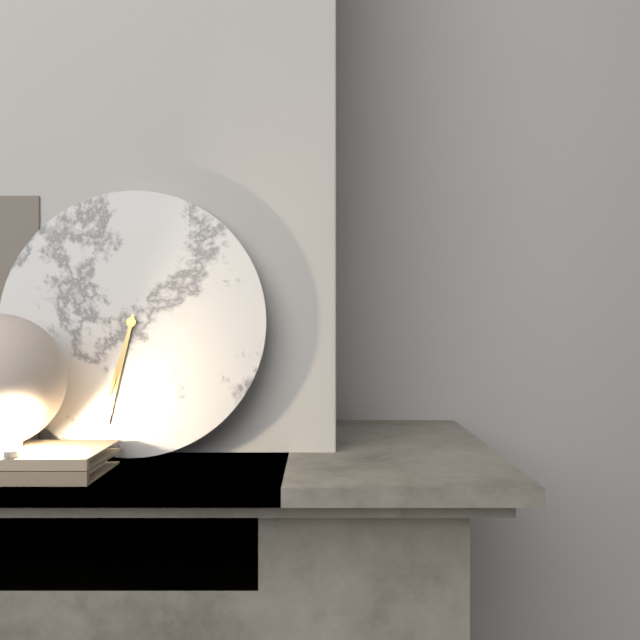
6:32
